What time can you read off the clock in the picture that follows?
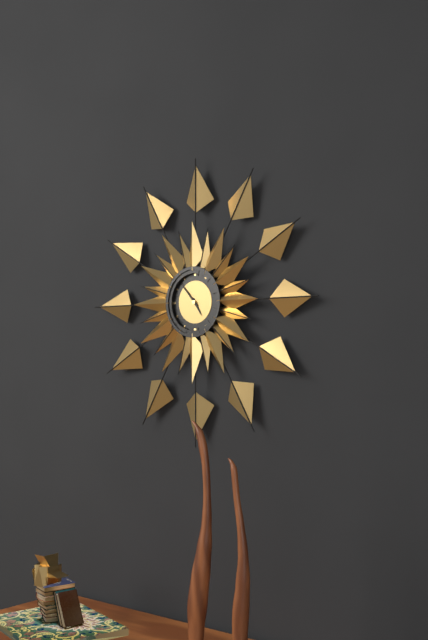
4:53
